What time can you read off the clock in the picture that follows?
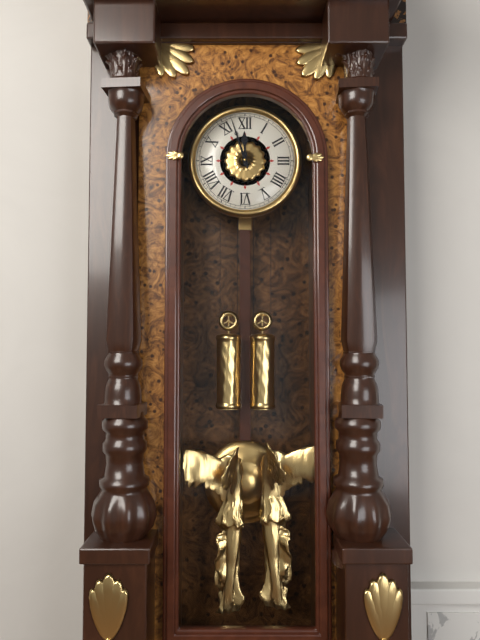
11:57
